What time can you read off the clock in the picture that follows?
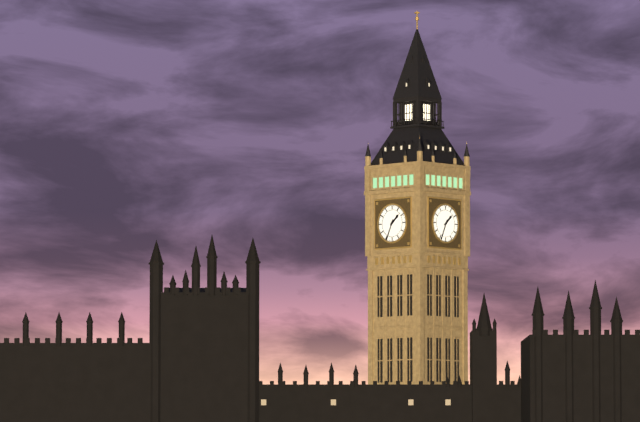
1:34
